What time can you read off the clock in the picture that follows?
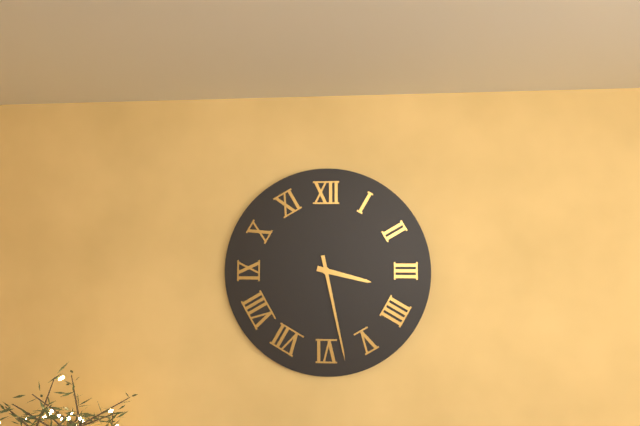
3:28
